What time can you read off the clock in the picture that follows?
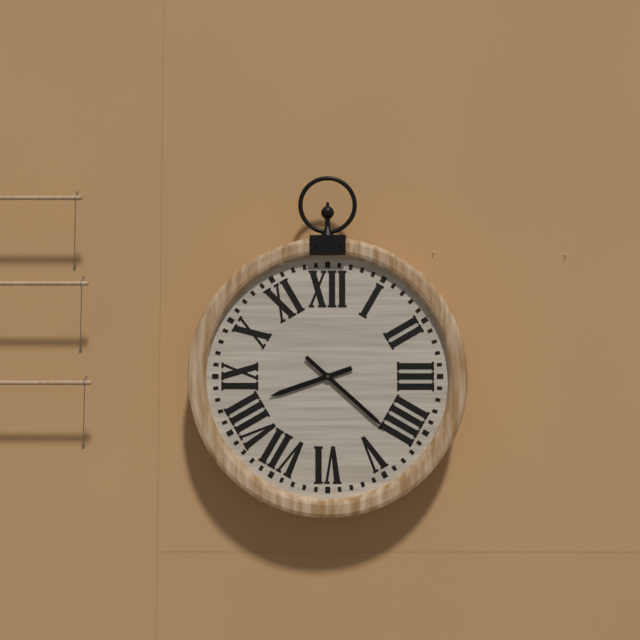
8:22
